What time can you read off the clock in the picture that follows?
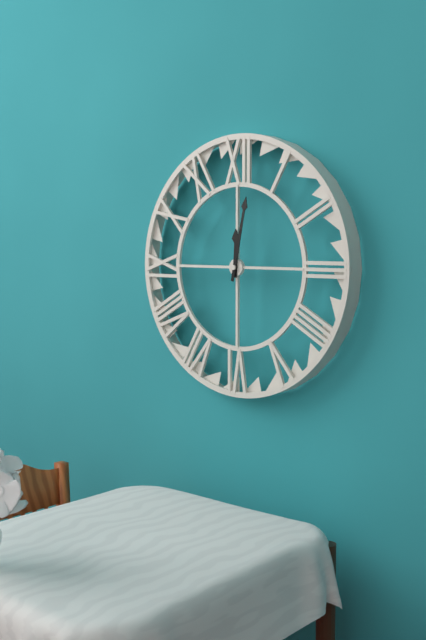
12:02
